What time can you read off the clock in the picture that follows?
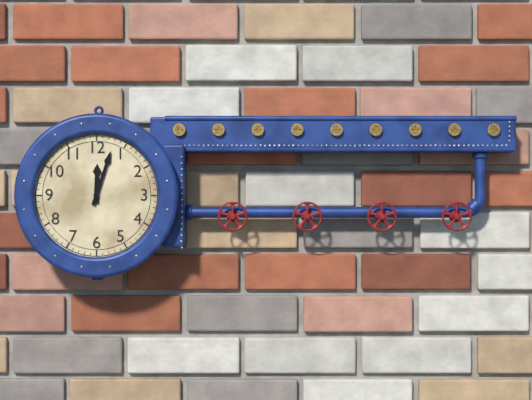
12:03
